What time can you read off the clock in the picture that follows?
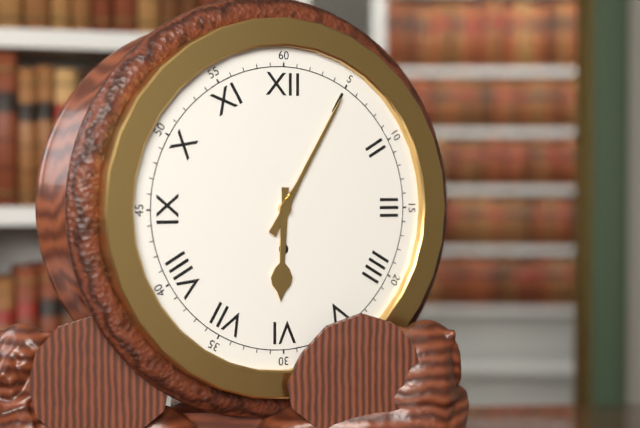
6:05
